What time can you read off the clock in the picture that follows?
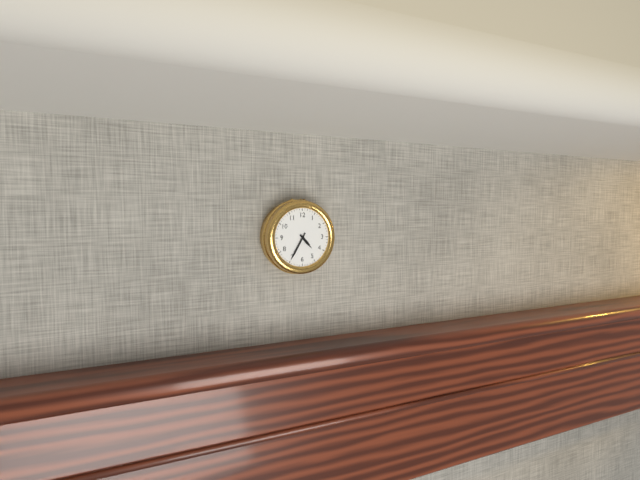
4:35
